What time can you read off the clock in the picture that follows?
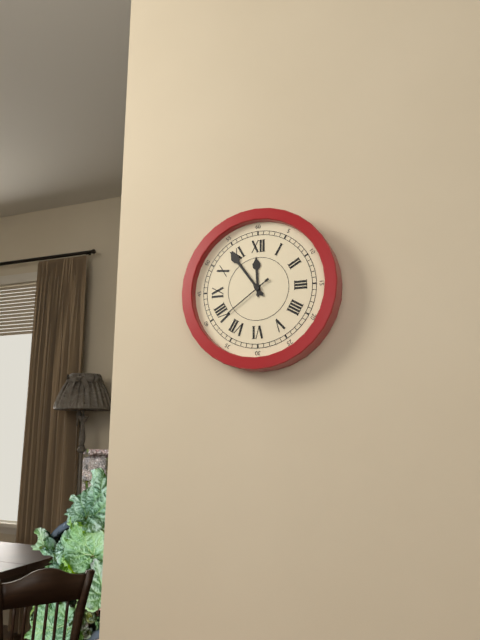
11:54
